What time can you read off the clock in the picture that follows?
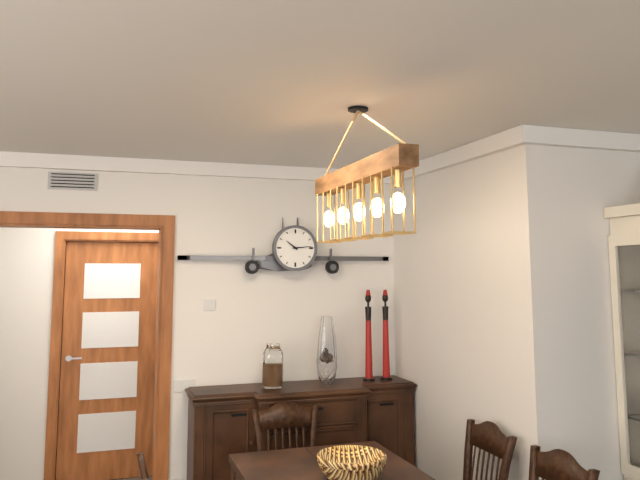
10:14
